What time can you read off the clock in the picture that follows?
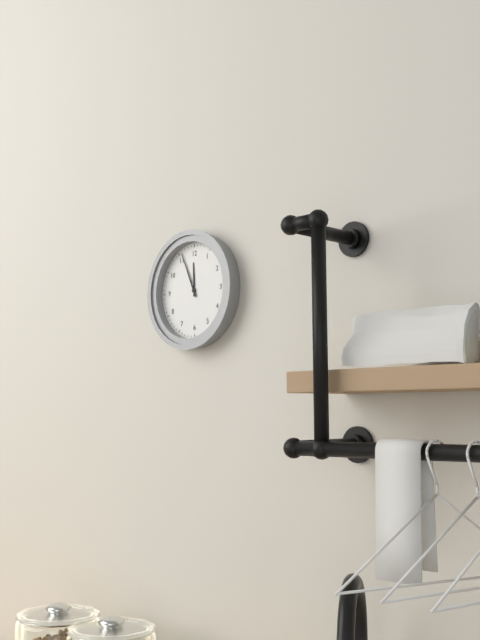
11:56
